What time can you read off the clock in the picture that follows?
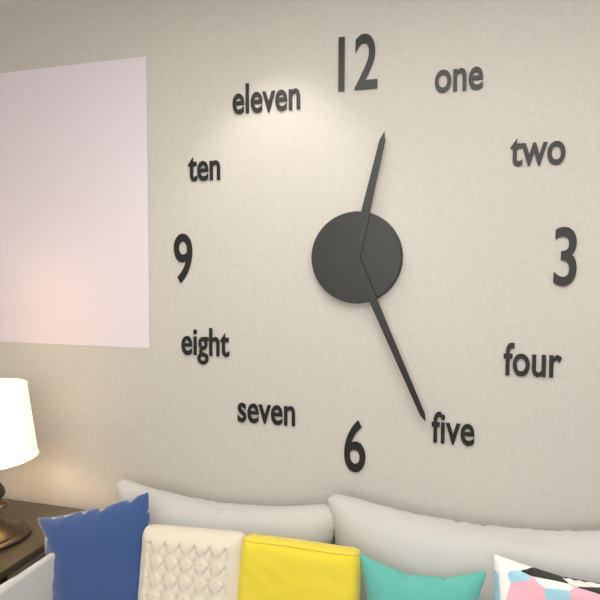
12:26
